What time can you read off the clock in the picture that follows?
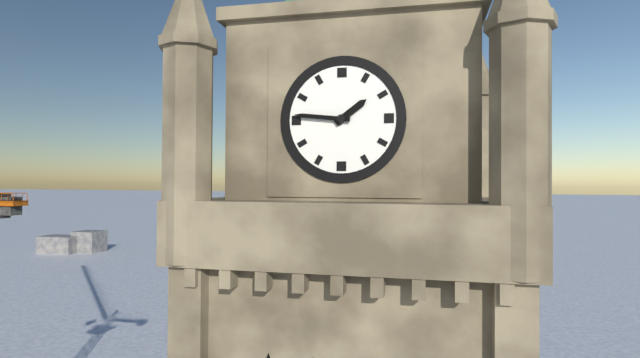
1:46
